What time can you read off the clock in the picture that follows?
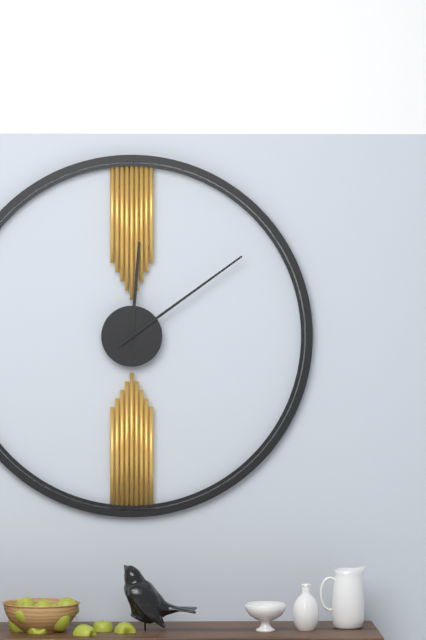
12:09
